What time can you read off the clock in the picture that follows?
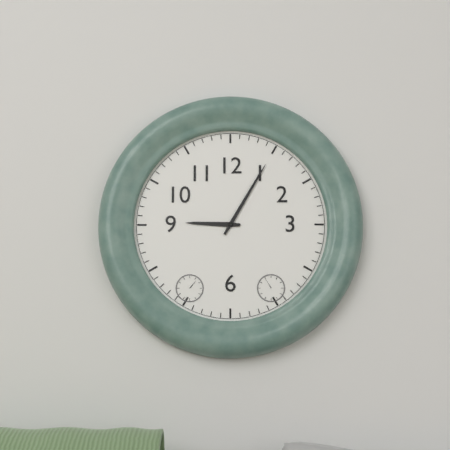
9:05
